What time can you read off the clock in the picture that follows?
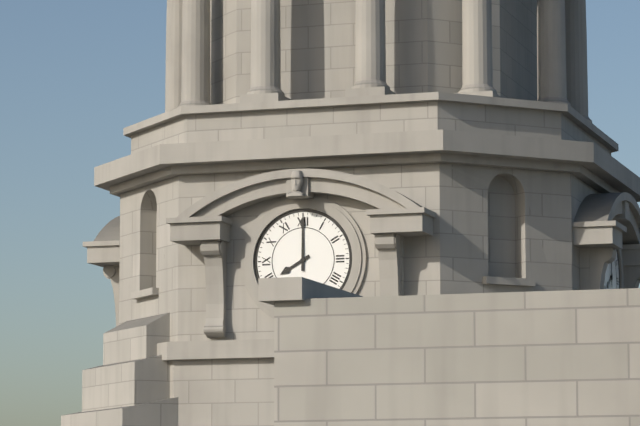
8:00
